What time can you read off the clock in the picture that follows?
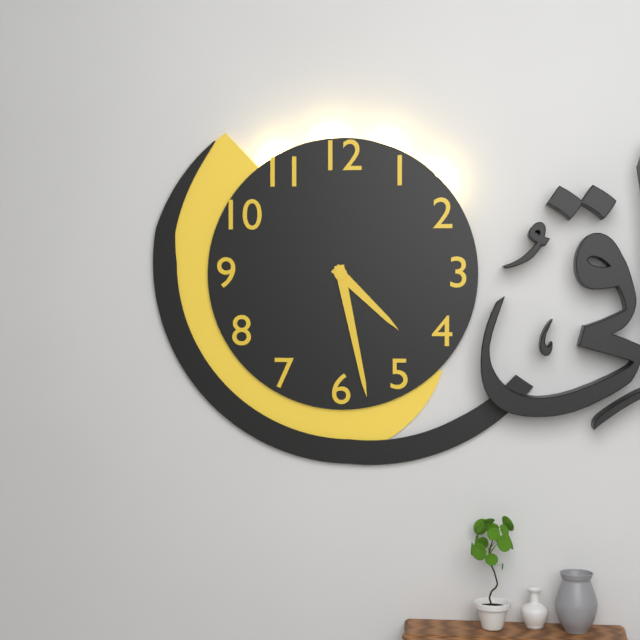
4:28
